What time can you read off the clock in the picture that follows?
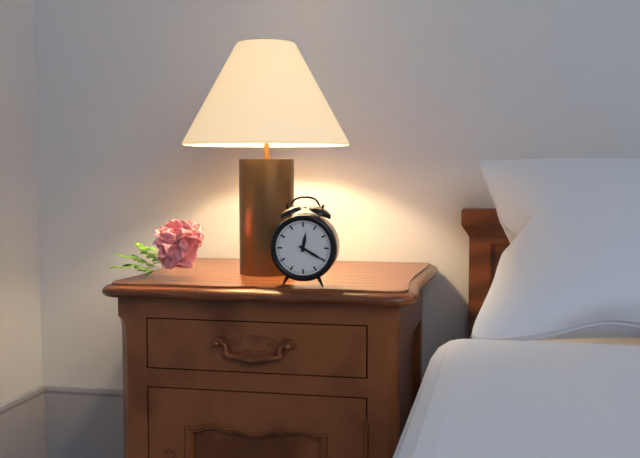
12:20
